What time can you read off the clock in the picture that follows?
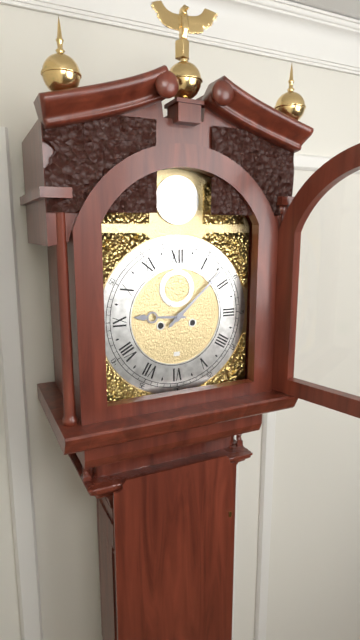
9:08
